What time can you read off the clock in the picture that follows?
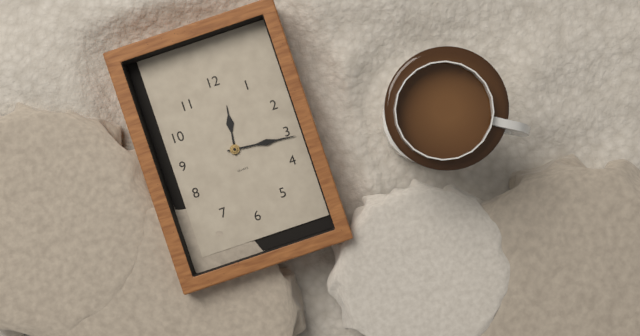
12:16
